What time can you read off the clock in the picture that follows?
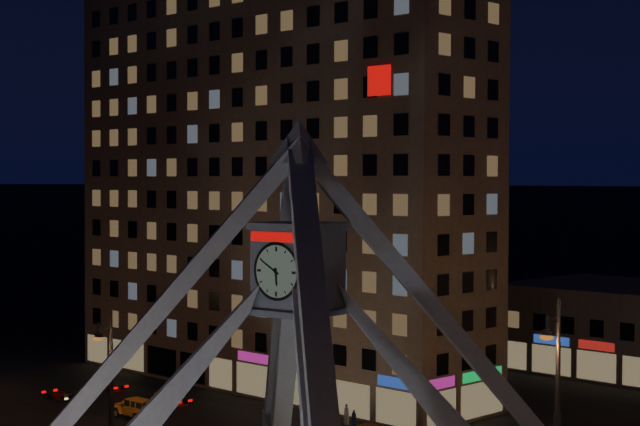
5:50
